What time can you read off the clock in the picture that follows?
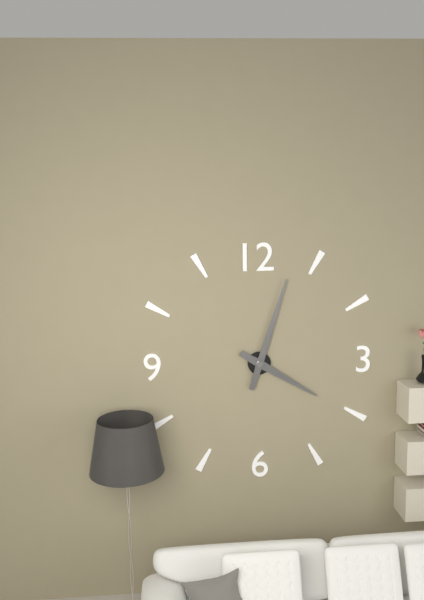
4:03
